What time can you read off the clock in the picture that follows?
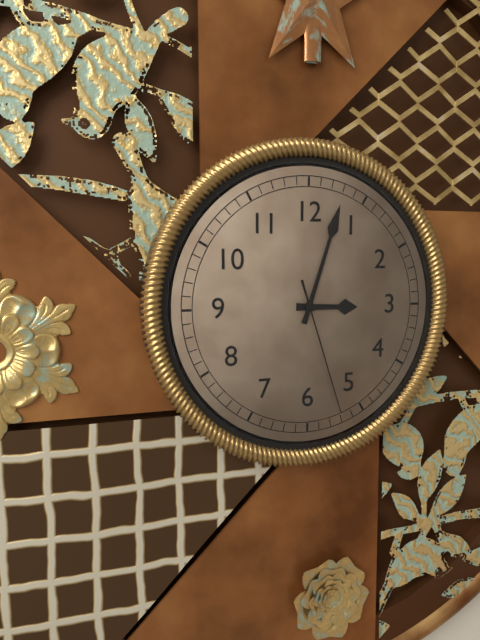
3:03:27
